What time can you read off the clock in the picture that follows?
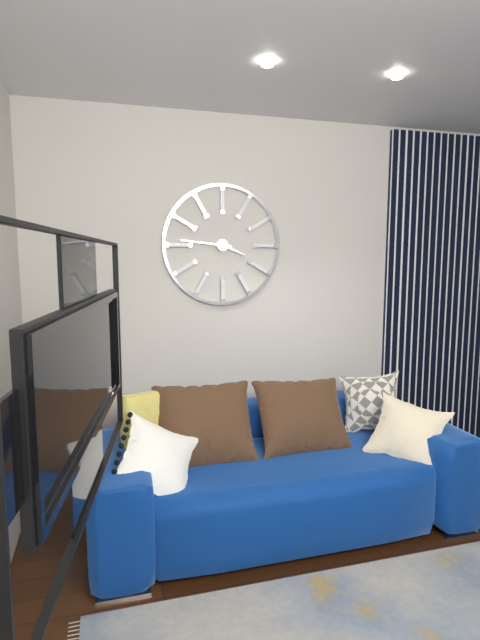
3:46
